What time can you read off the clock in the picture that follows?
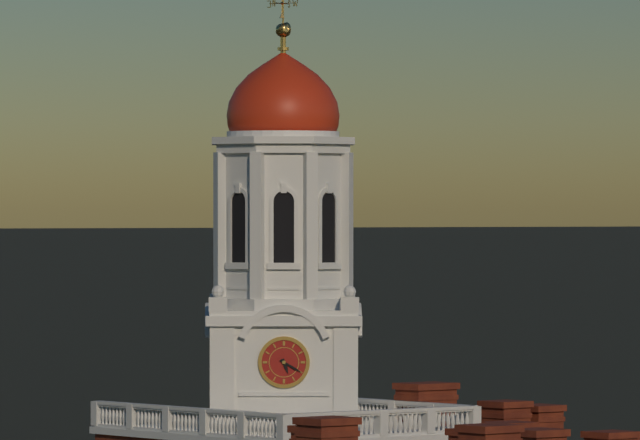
5:20
